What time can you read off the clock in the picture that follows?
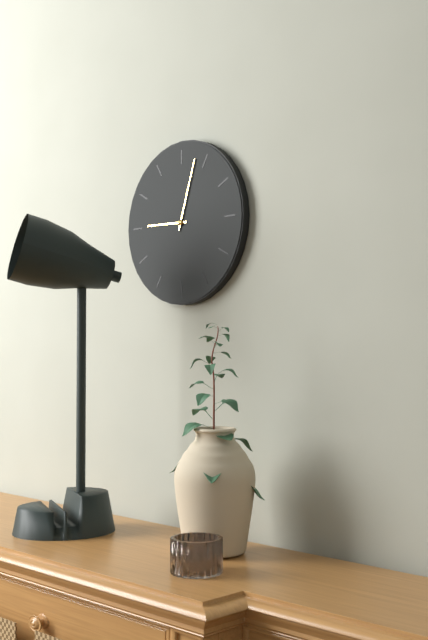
9:03
